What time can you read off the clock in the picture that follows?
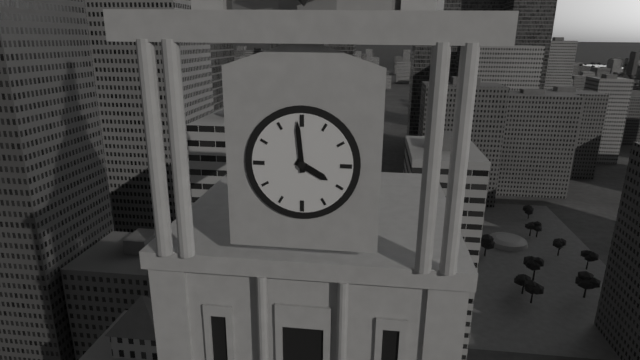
3:59
